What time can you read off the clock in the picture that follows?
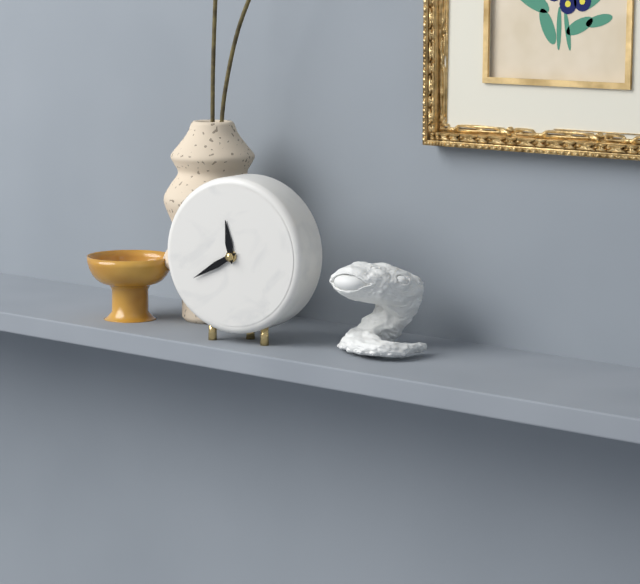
11:40
